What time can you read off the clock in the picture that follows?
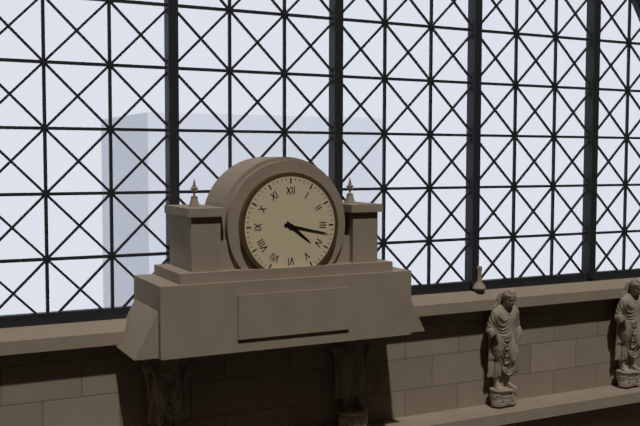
4:17
